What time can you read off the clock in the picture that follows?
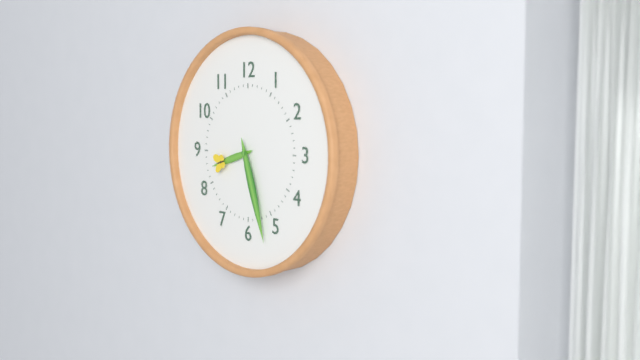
8:27
